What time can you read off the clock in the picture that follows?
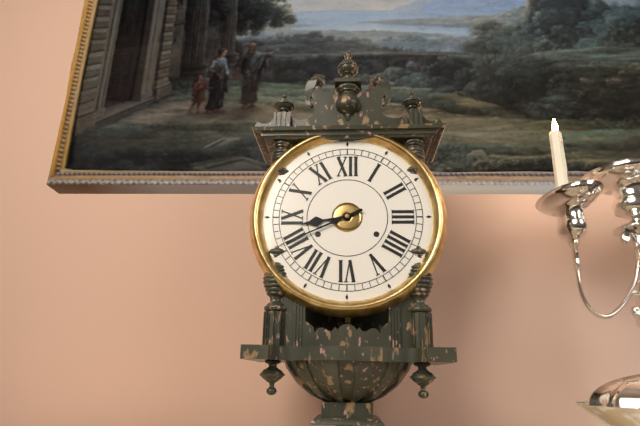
8:41
